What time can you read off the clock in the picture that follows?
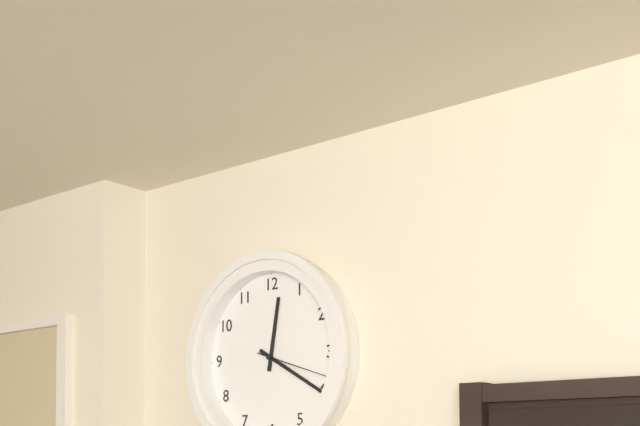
12:20:18
